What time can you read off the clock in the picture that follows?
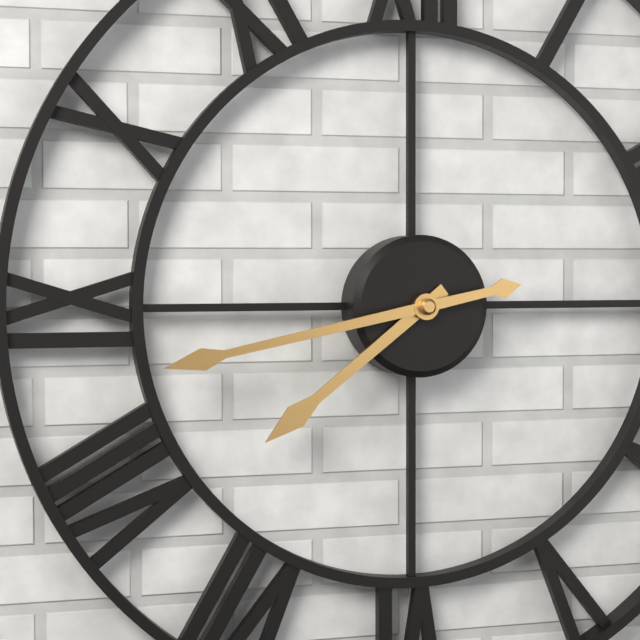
7:43
